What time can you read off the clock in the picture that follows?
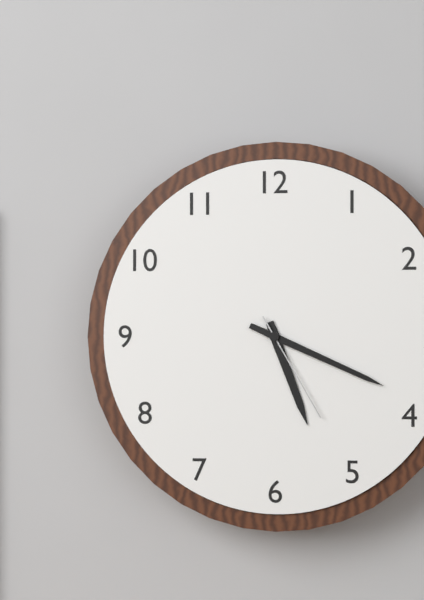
5:19:25
